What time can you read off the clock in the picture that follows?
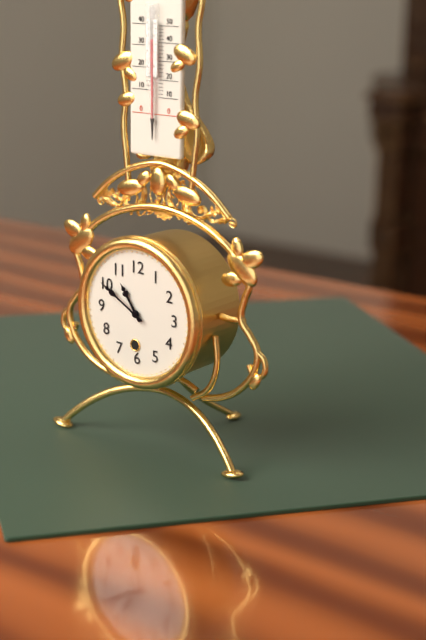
10:50
